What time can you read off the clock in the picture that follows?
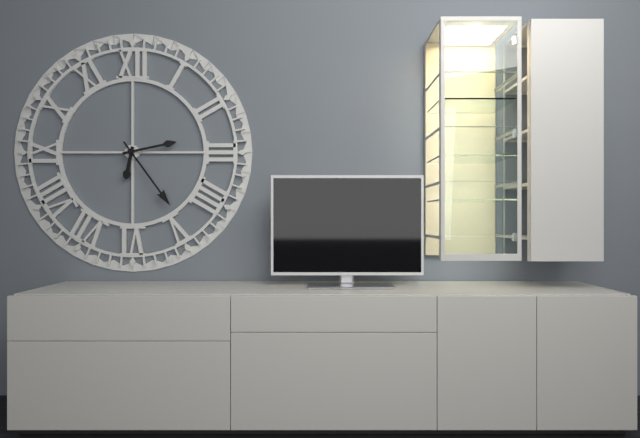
6:24:13
